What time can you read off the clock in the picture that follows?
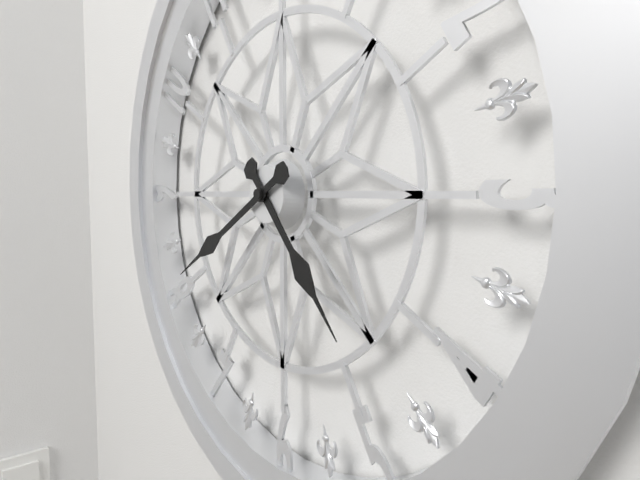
4:40
